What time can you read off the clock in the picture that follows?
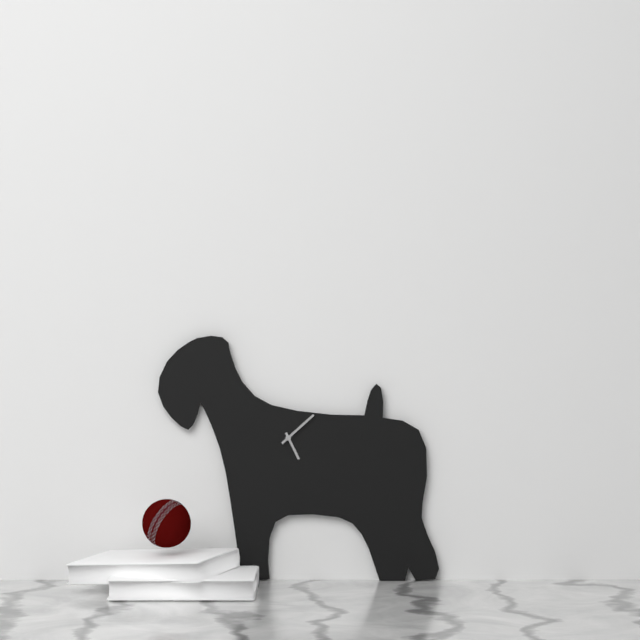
5:08
